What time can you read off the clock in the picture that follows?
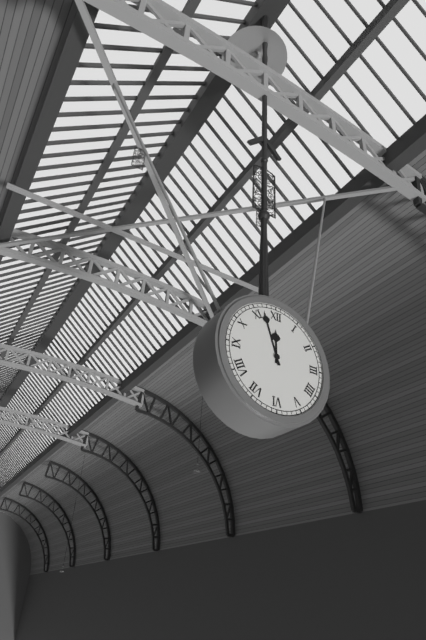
11:57
